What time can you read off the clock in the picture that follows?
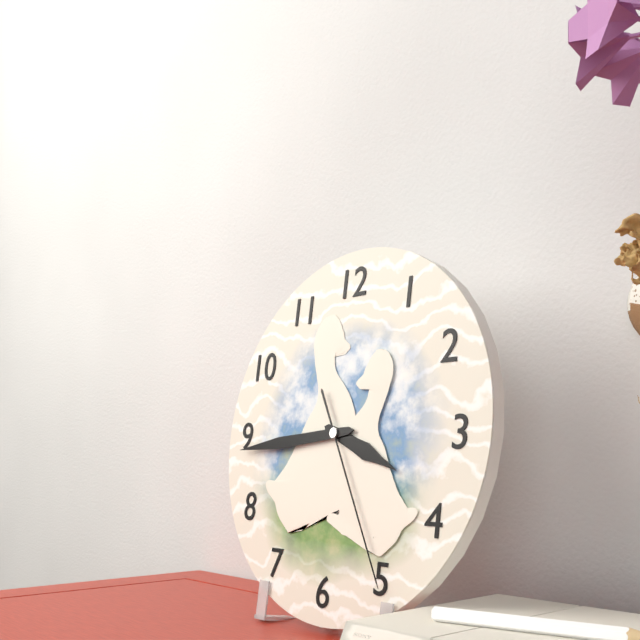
3:44:25
